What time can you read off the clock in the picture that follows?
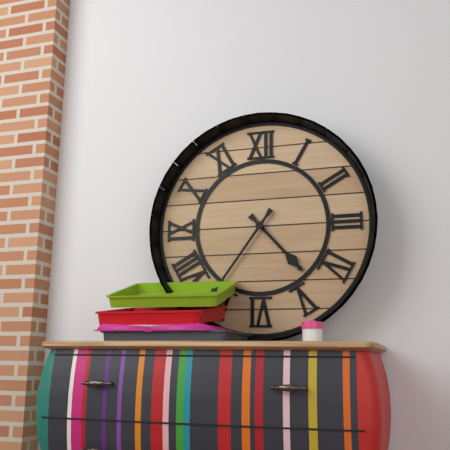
4:36
